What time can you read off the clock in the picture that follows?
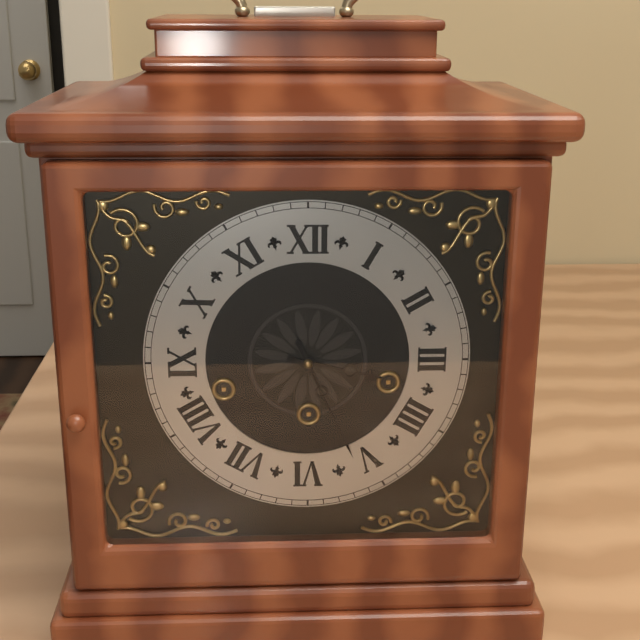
3:26
